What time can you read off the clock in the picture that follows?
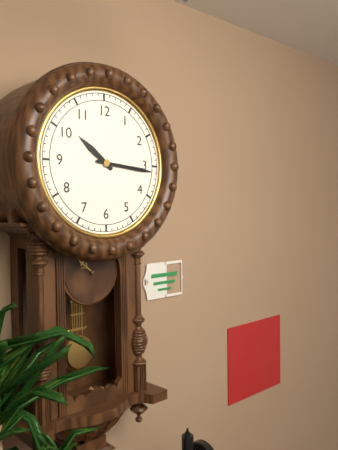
10:16
